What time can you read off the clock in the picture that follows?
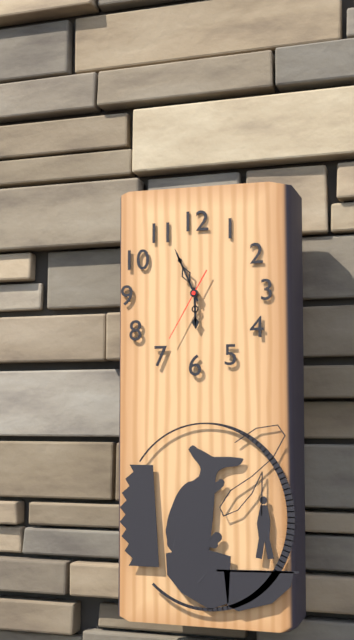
5:56:35
